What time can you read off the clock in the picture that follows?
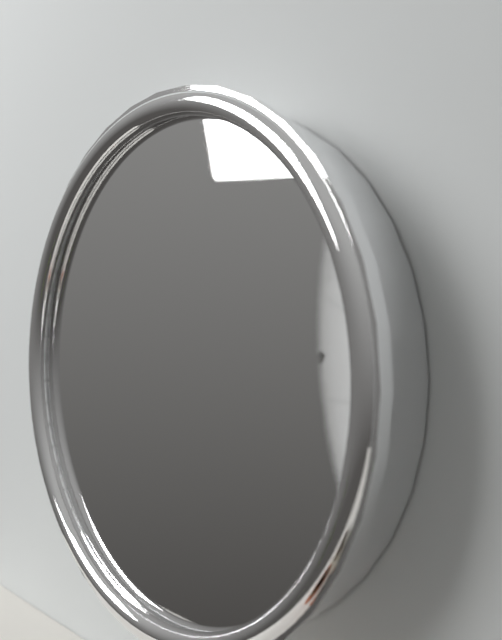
4:46
